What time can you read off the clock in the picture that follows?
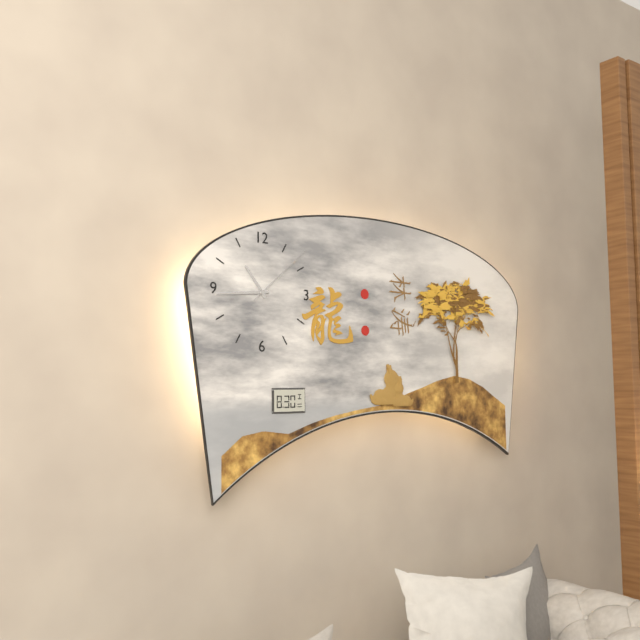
10:44:08
